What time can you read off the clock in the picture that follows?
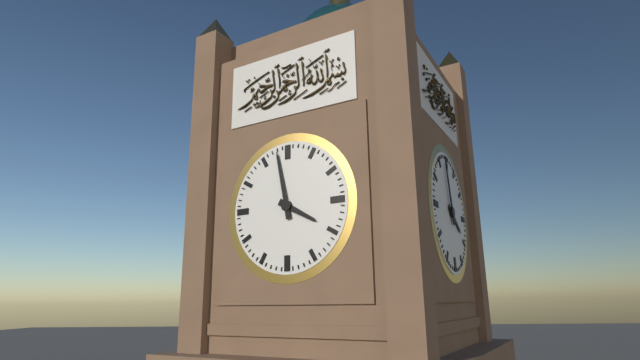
3:58
